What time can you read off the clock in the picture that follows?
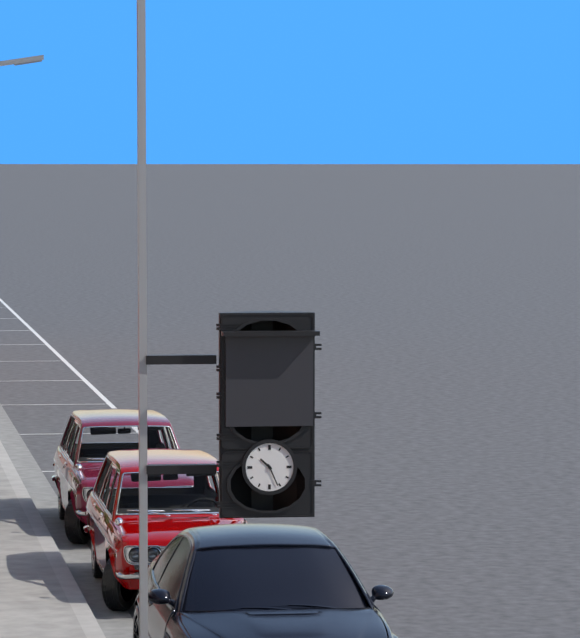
10:26
